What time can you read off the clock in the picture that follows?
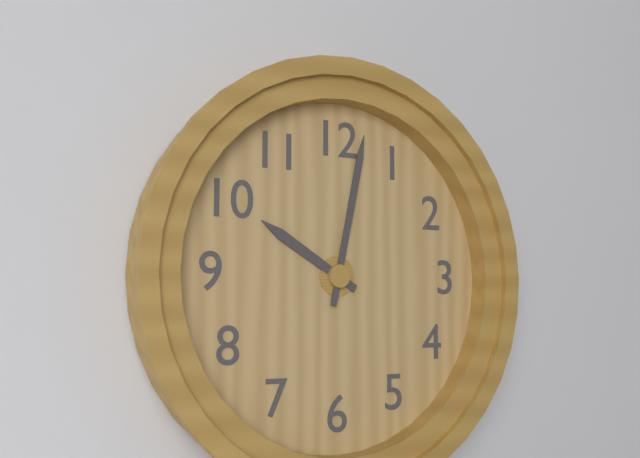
10:02
